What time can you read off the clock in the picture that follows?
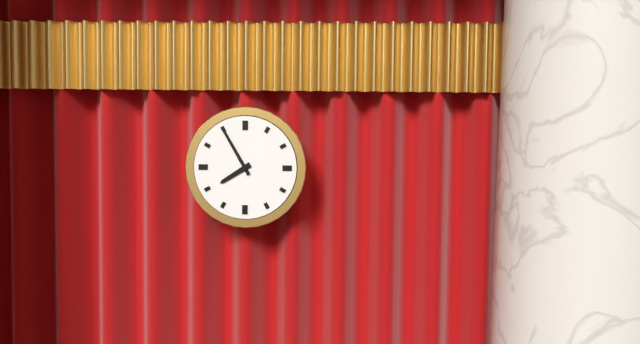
7:55
